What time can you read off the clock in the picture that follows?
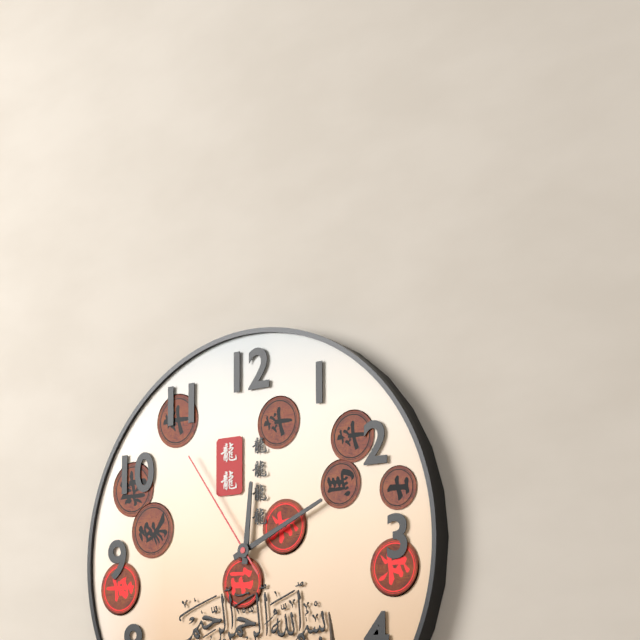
12:11:54
